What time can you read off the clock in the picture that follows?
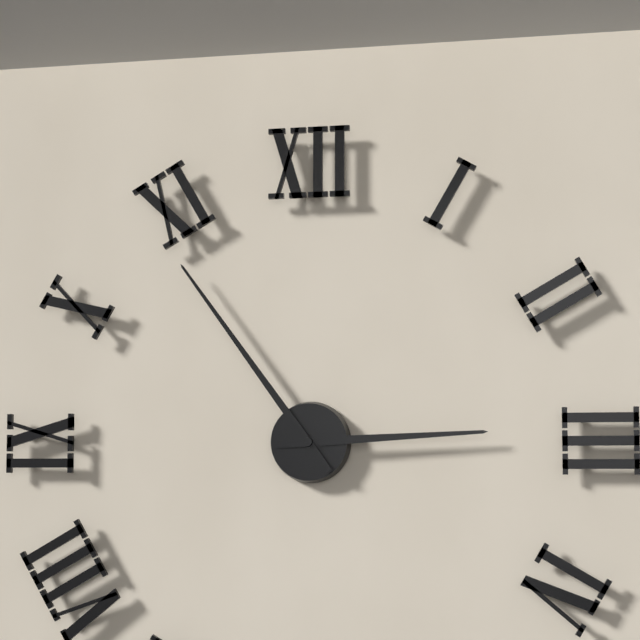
2:54
